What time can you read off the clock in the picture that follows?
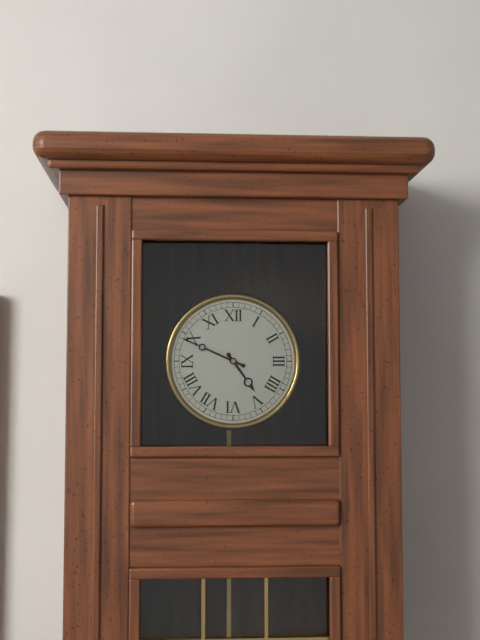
4:49
